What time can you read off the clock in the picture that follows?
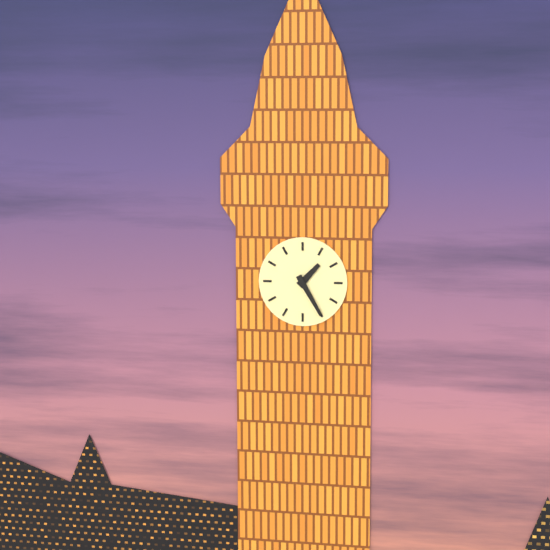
1:25
